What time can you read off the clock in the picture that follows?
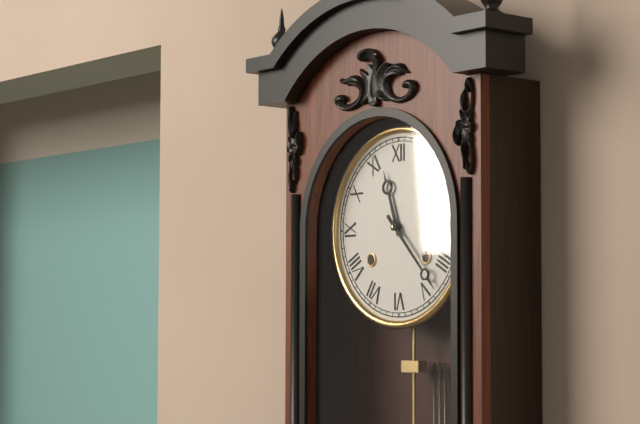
11:23
